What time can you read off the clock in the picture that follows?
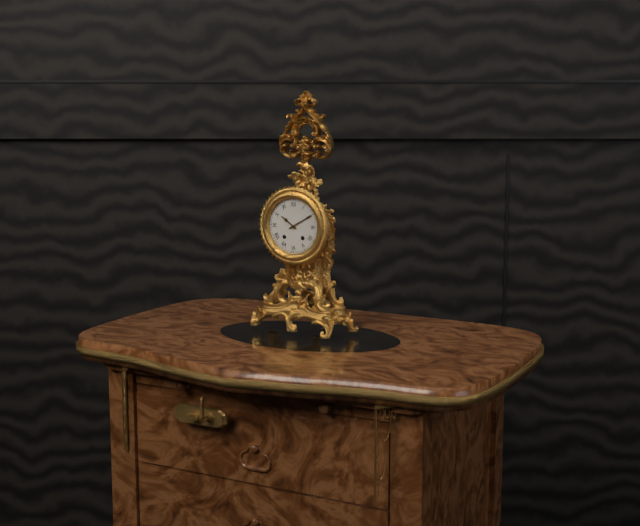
10:10
